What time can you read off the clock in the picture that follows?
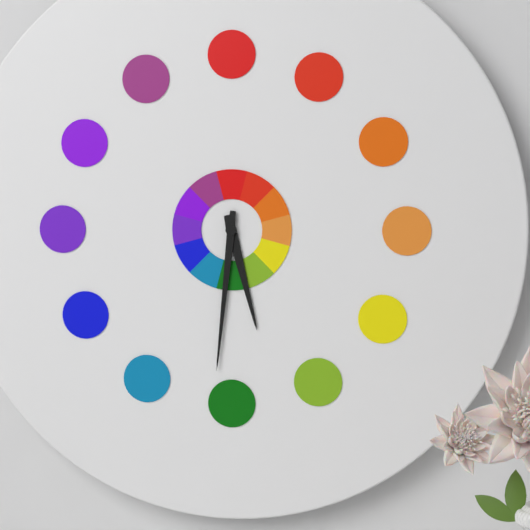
5:31
